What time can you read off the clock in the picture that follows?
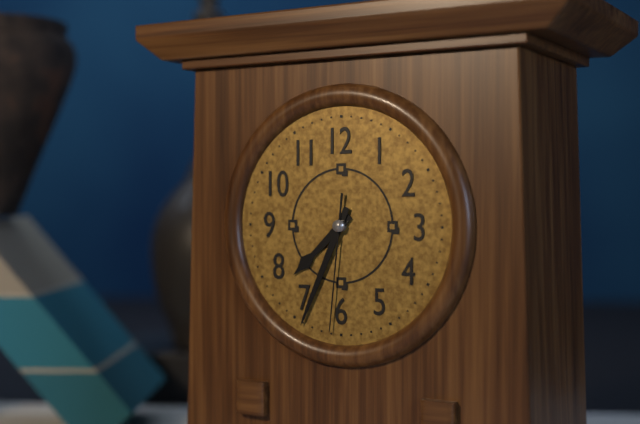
7:34:31
